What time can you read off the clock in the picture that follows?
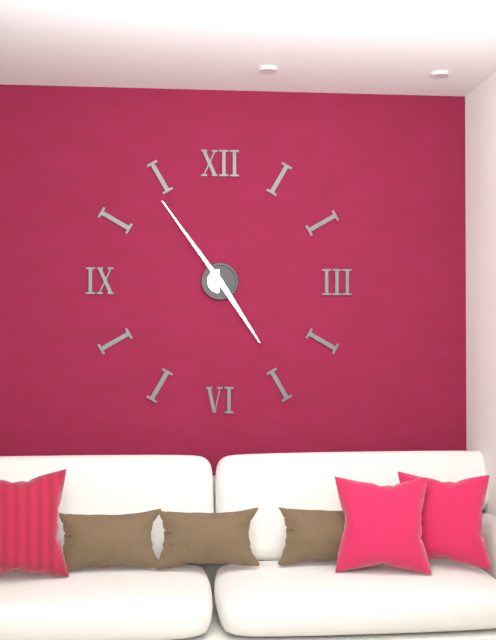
4:54
